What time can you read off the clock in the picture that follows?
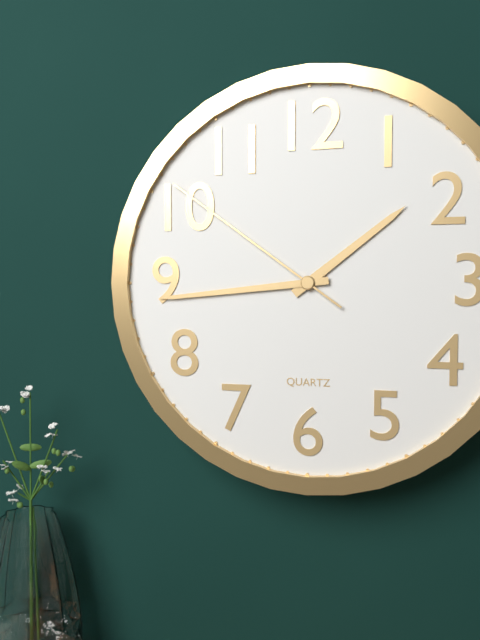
1:44:51
